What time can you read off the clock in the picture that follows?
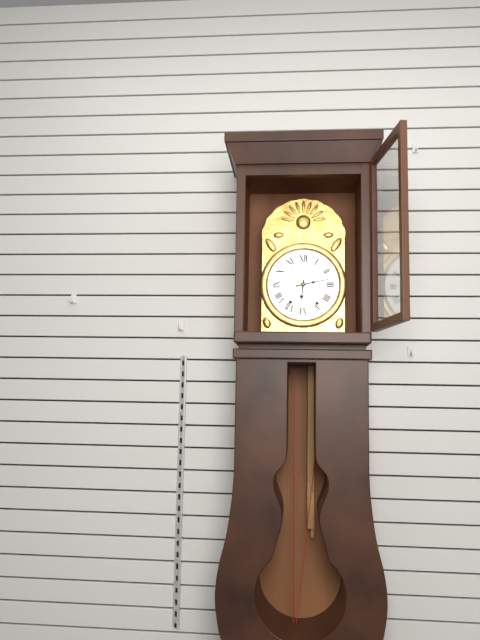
6:13
